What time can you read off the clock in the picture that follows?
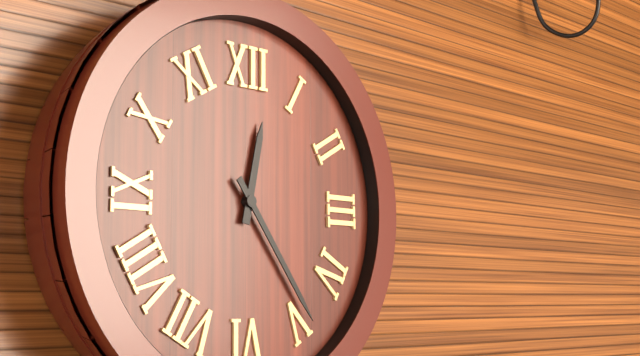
12:24
